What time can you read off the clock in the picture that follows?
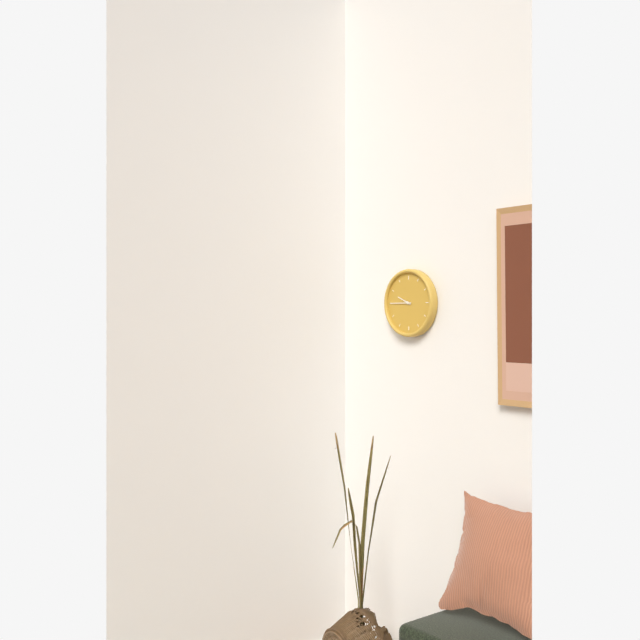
9:45
